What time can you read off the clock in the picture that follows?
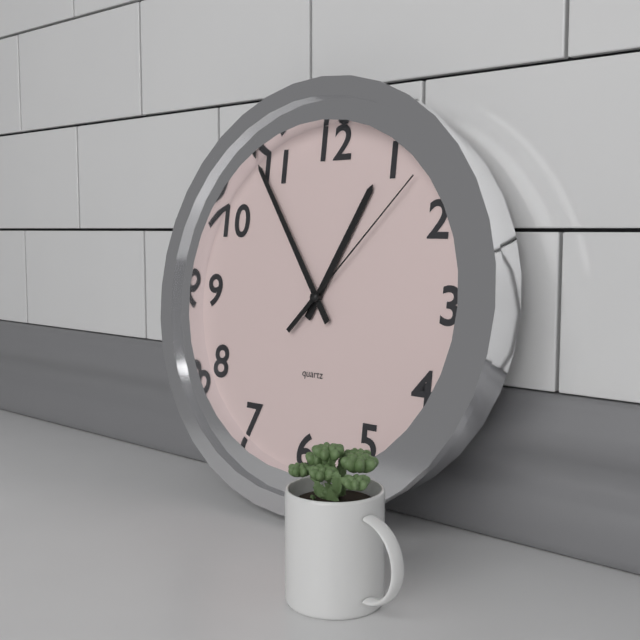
12:54:07
